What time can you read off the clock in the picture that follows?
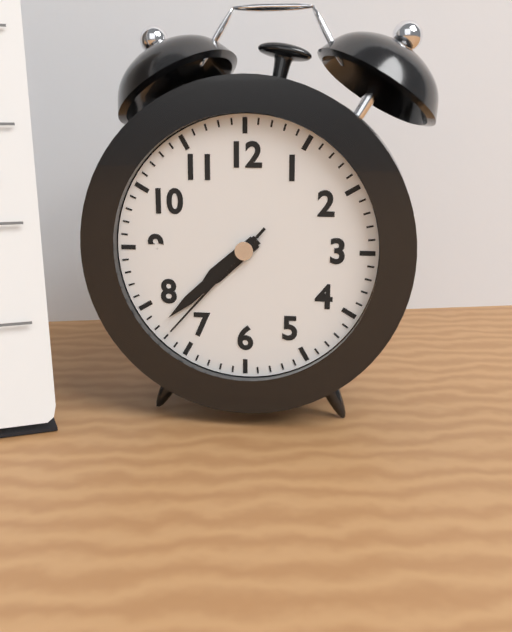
7:38:37
